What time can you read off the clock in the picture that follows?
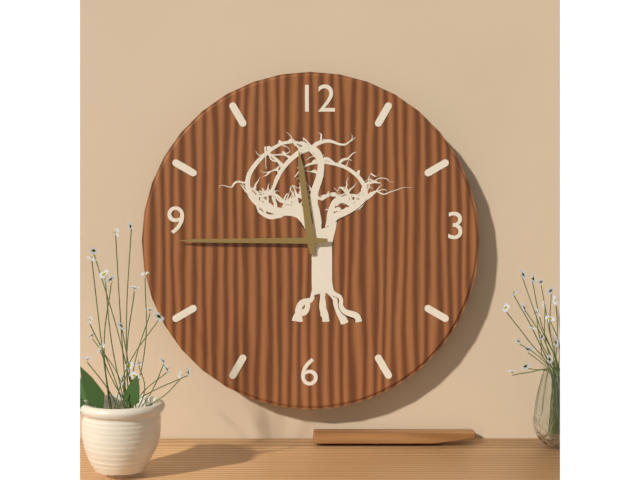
11:45
